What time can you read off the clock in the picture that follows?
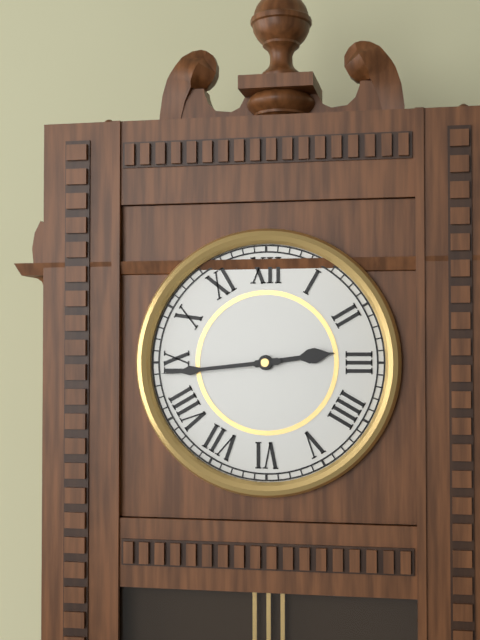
2:44
